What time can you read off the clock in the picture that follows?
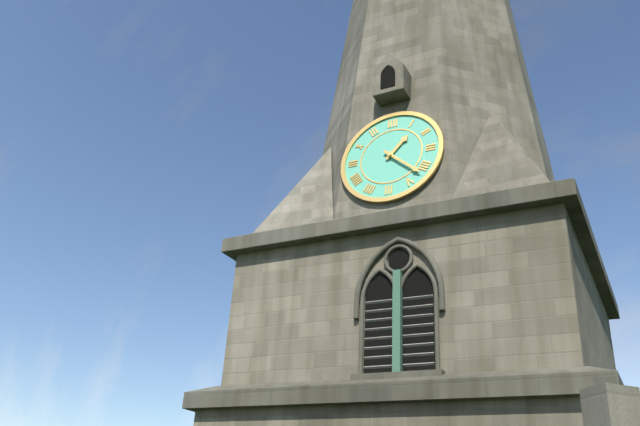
1:22
